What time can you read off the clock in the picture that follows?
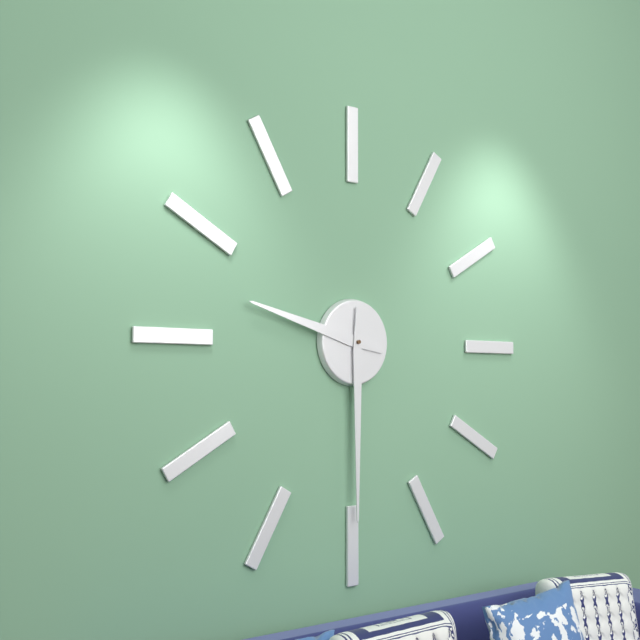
9:30
